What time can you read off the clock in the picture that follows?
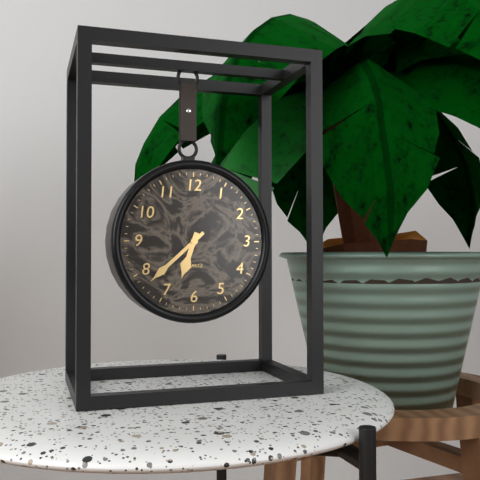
6:38
